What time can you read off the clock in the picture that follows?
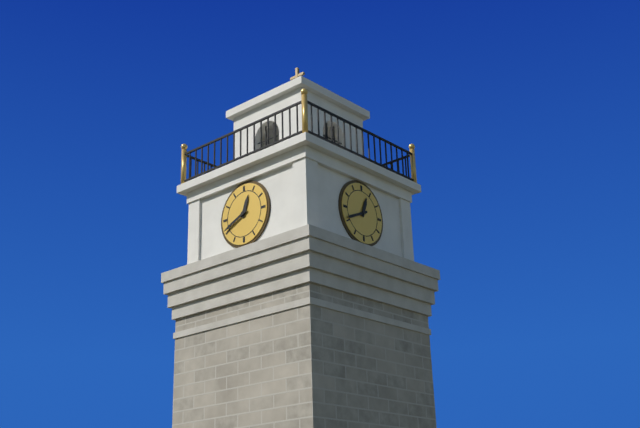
12:41
